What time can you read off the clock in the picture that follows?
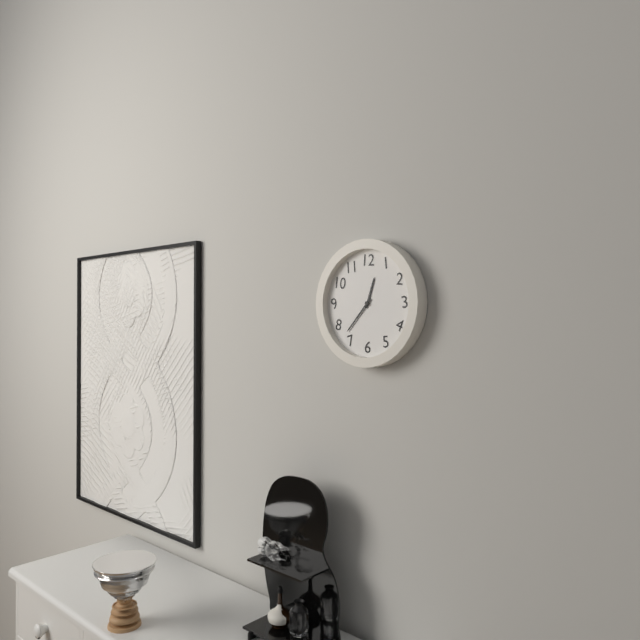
12:37
